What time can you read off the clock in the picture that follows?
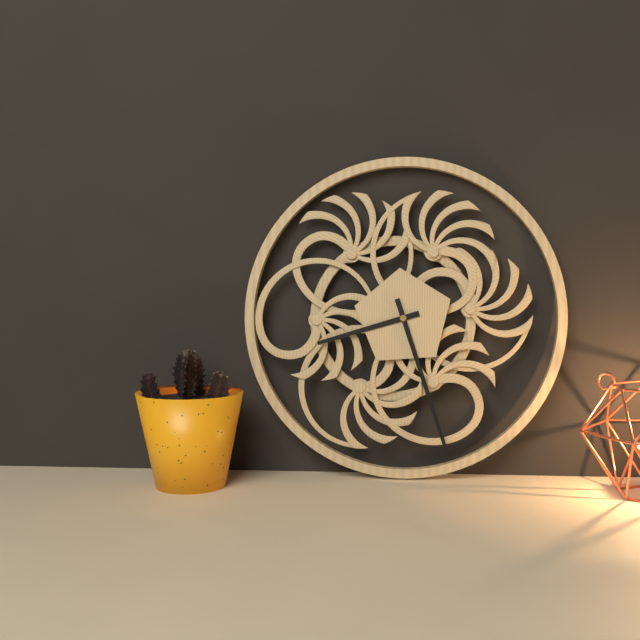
8:27
